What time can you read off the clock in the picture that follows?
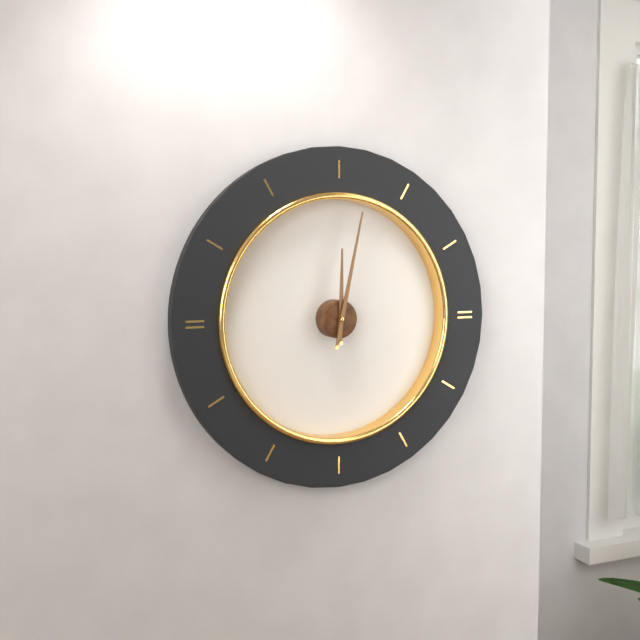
12:02
